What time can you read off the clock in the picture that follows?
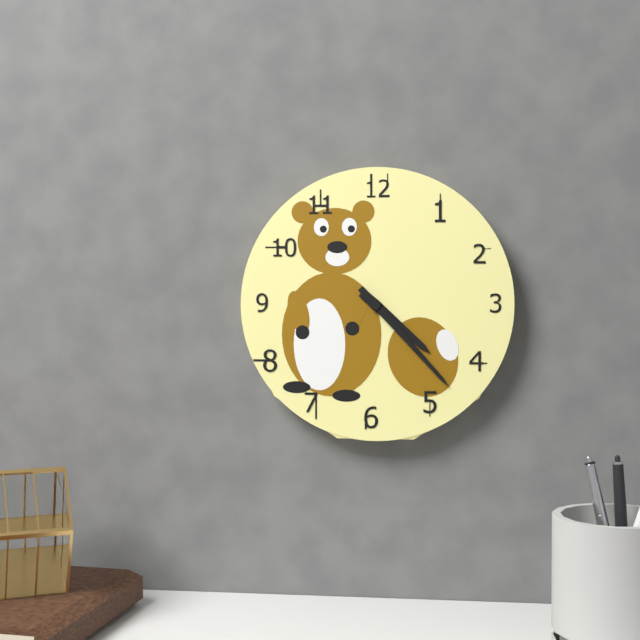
4:23
